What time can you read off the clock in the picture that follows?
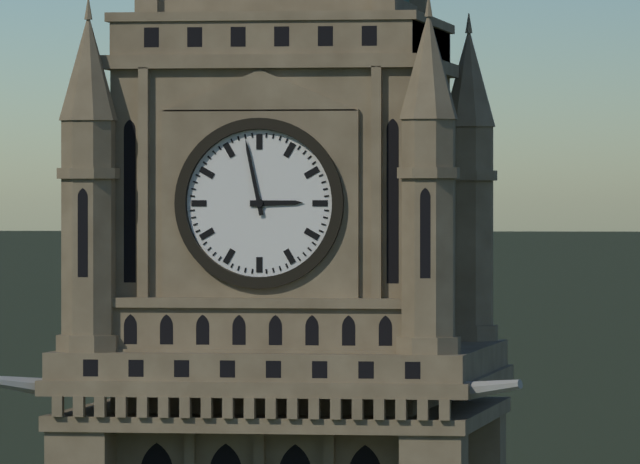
2:58
